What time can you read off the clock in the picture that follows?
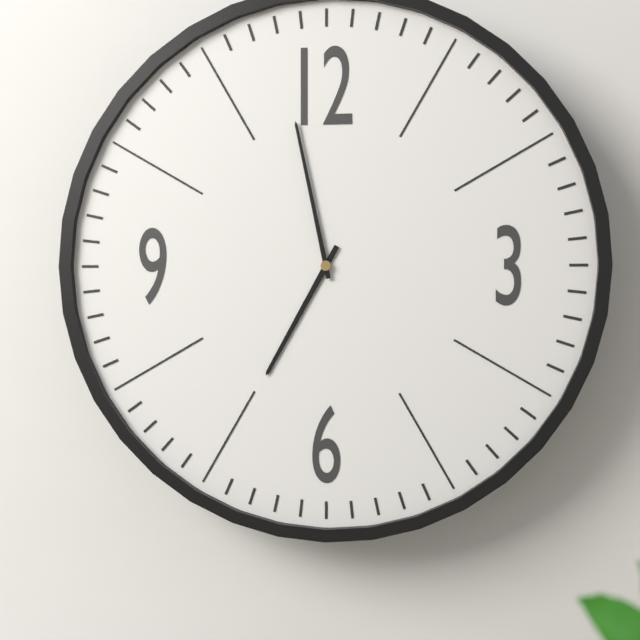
6:58
